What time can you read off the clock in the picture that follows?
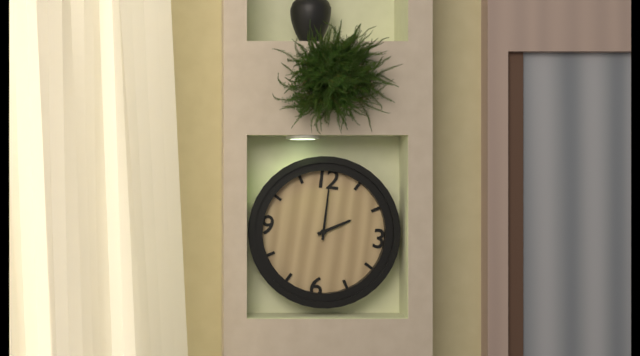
2:00
